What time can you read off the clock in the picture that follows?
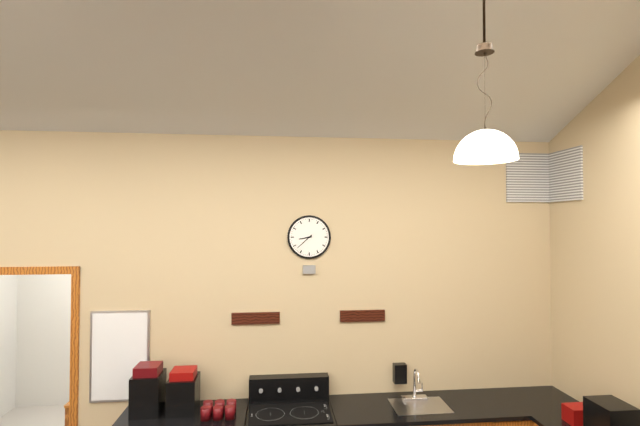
8:38
